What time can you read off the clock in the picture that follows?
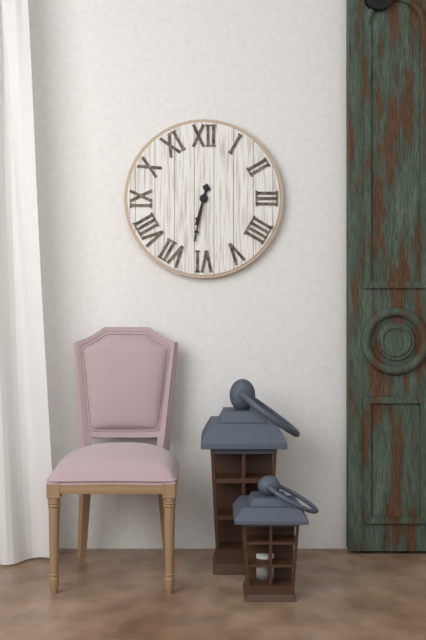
6:32
